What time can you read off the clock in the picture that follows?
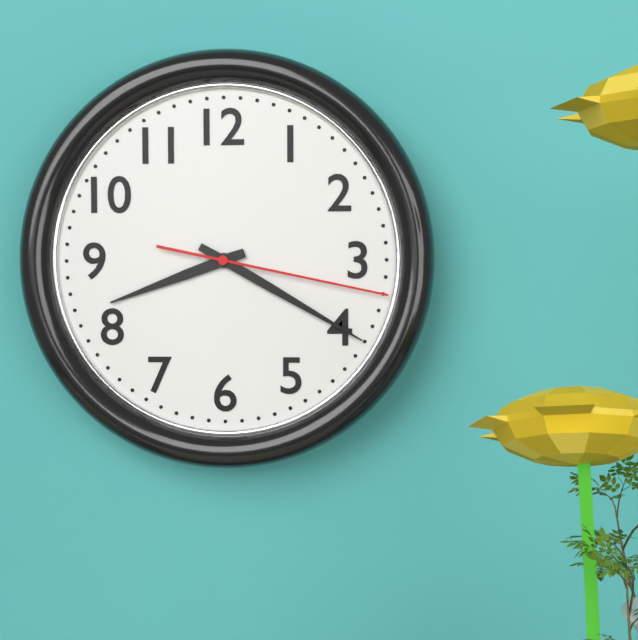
8:20:17
